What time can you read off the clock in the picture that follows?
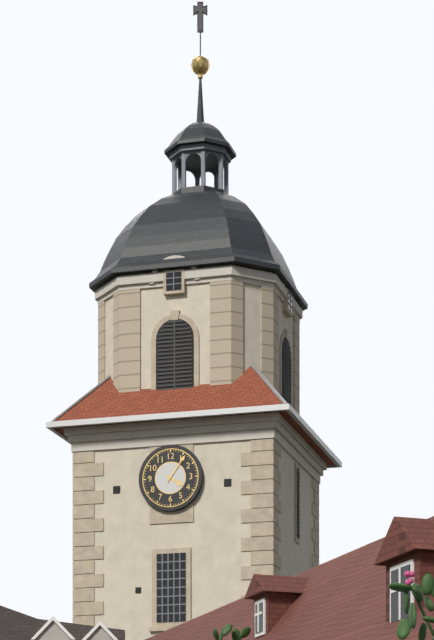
4:06
